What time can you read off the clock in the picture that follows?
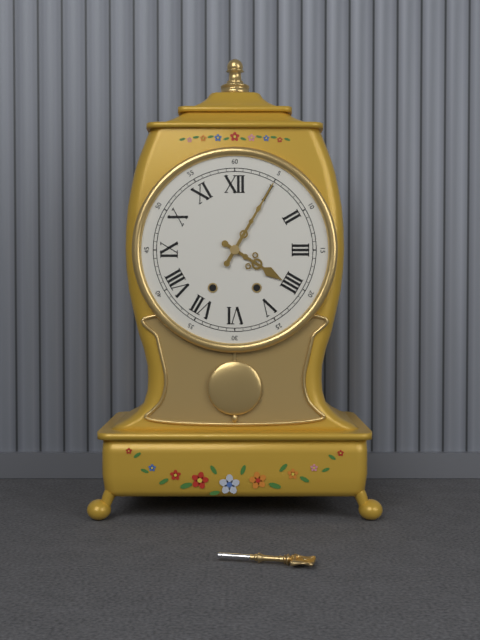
4:05
